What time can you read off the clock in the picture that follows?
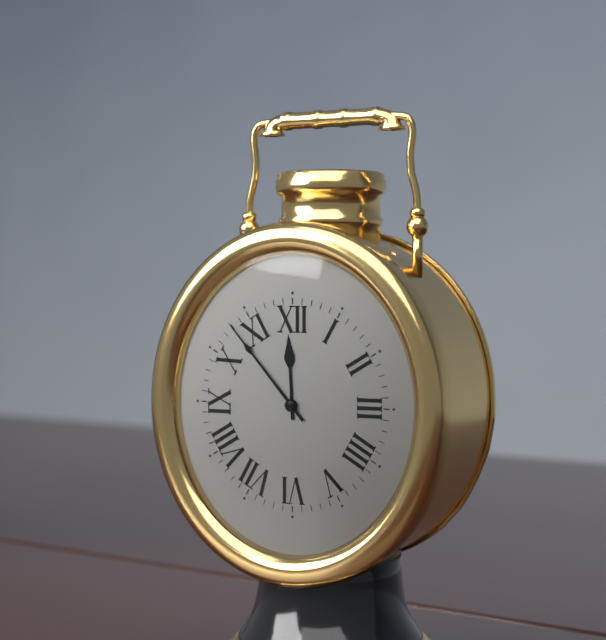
11:53
